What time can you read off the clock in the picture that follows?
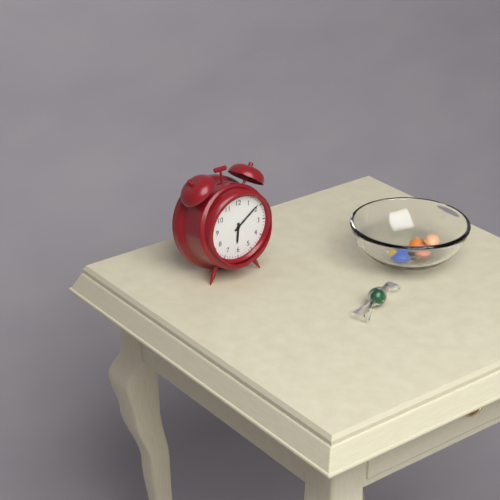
6:09
